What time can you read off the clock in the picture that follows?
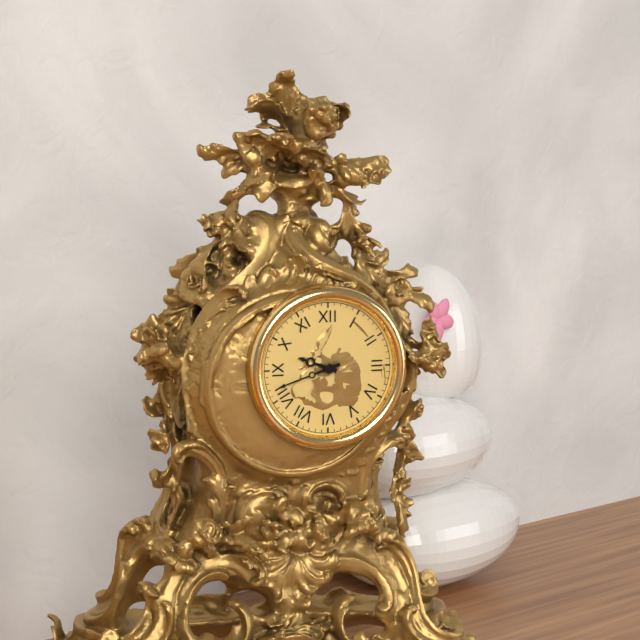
9:42
